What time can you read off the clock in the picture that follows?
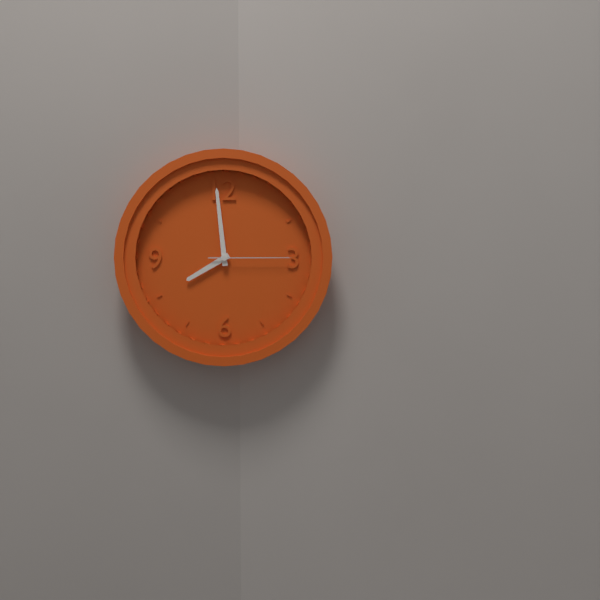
7:59:15
